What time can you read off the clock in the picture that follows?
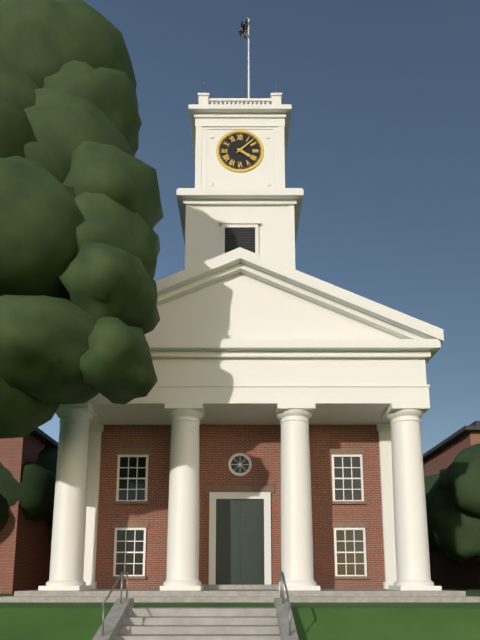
4:08
